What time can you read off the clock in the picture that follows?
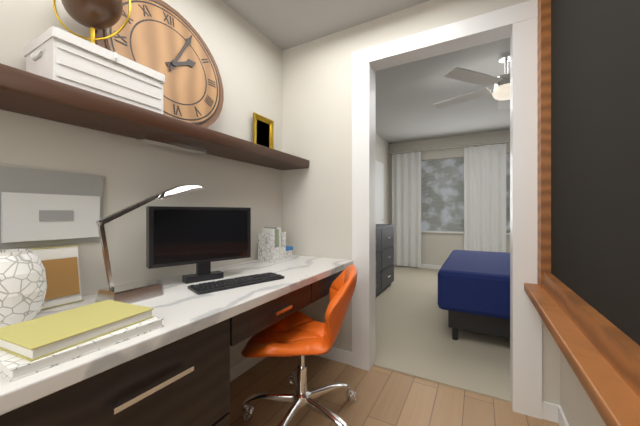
2:05
